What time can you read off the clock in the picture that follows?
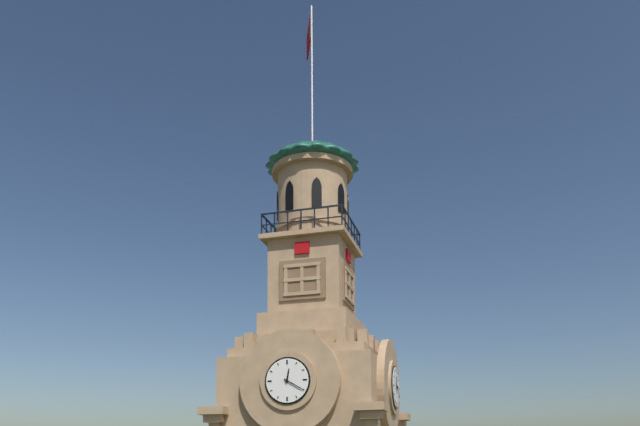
12:20
